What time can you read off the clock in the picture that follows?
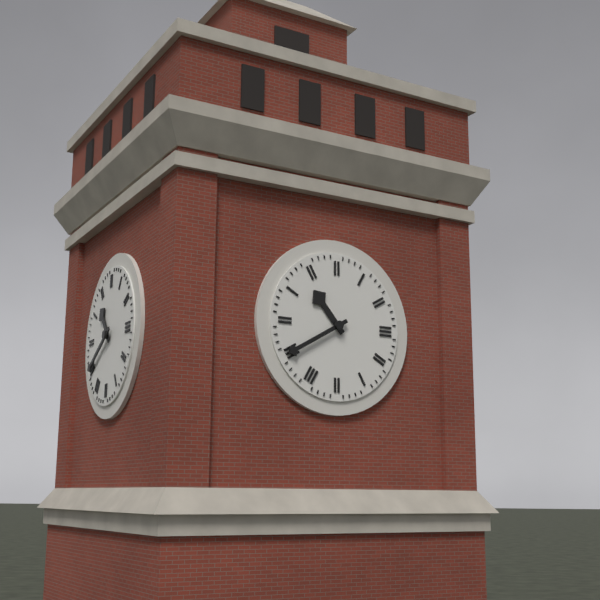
10:40
